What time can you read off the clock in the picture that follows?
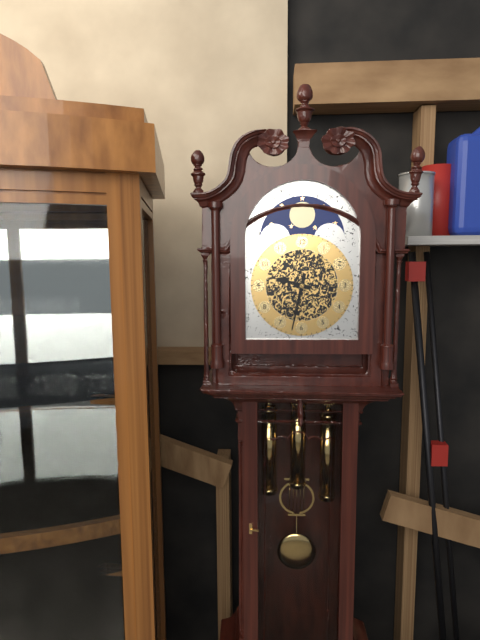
9:32
